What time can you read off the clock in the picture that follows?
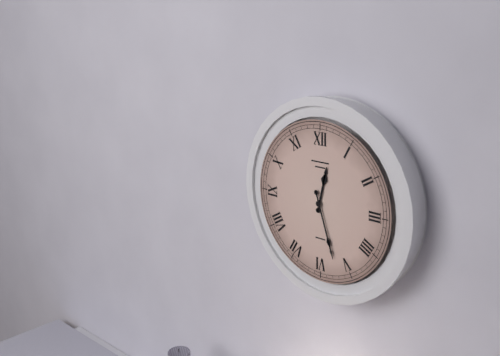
12:27
